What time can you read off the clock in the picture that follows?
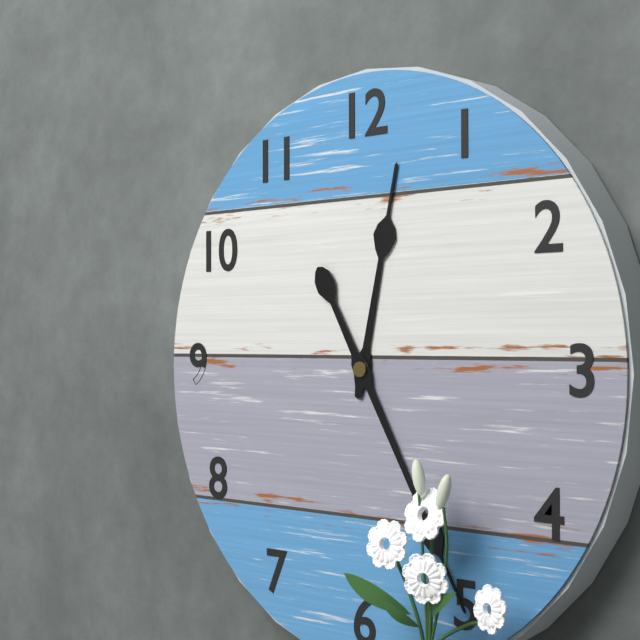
12:25
